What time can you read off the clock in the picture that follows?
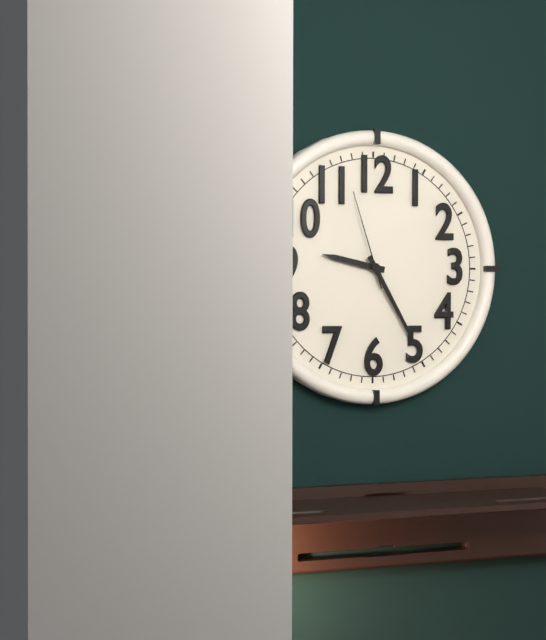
9:25:57
